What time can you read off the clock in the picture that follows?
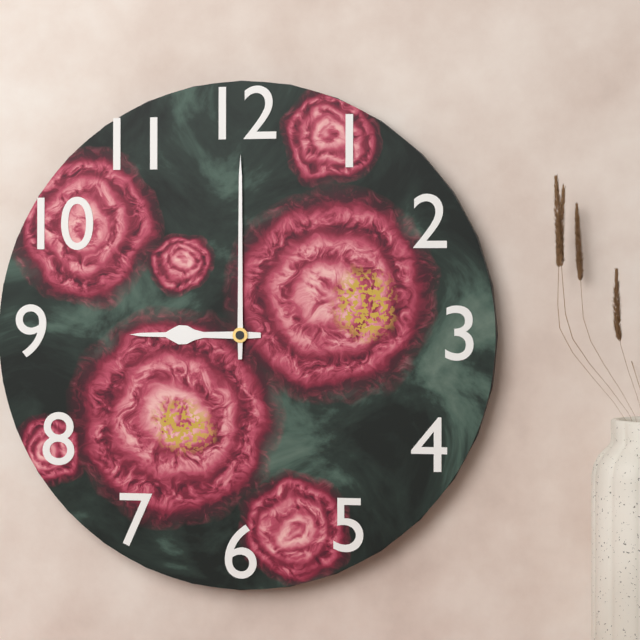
9:00
